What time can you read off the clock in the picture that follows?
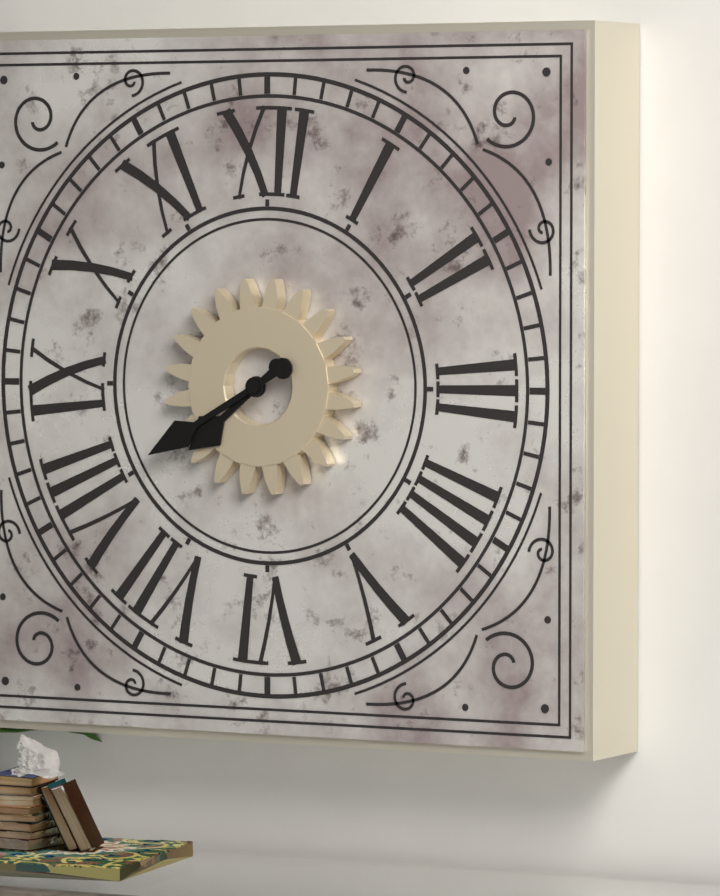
7:40
